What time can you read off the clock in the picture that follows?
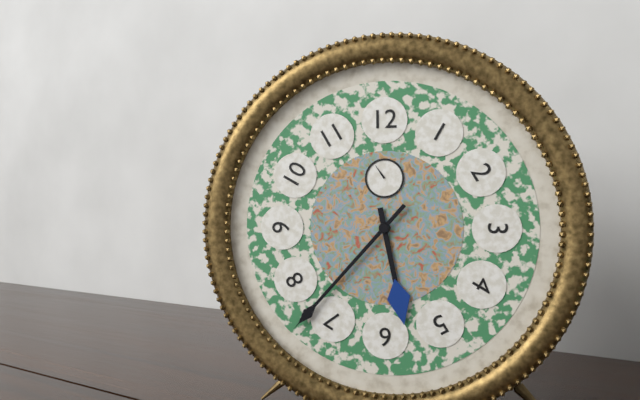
5:37
